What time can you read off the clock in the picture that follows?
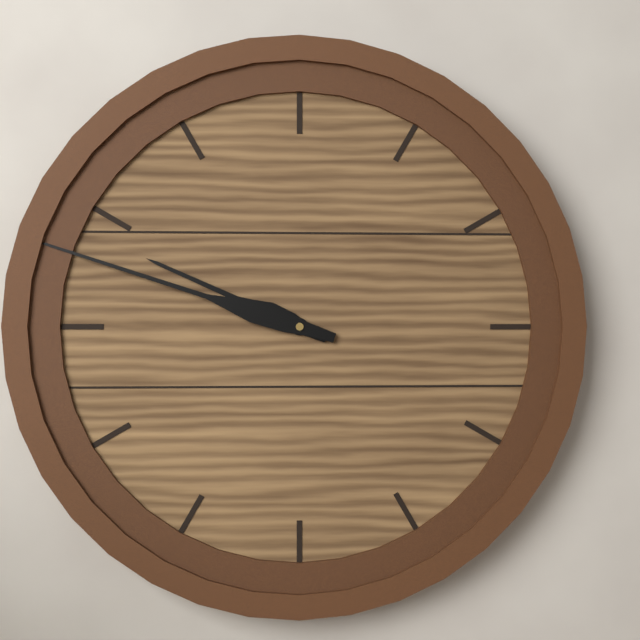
9:48
